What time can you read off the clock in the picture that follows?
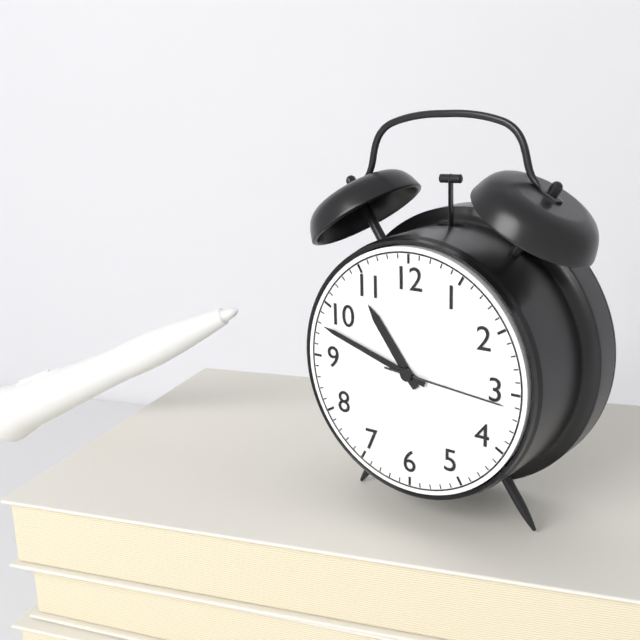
10:48:16
